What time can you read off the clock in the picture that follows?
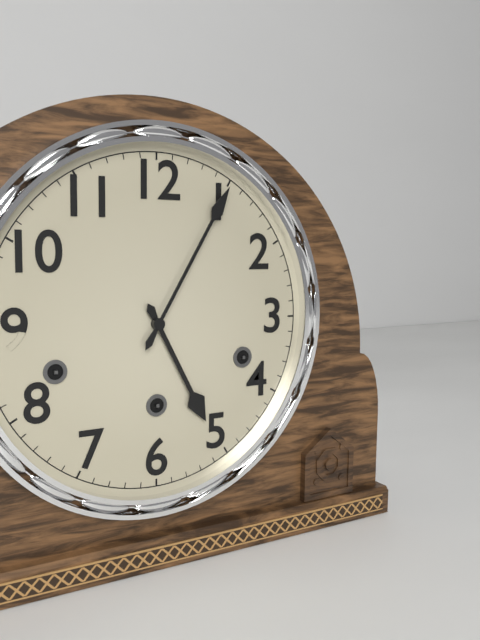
5:05
